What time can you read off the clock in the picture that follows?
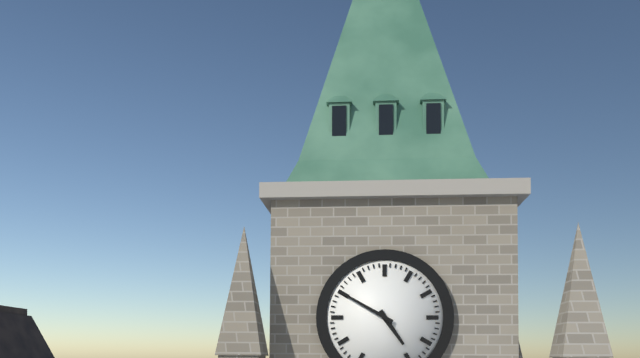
4:50
